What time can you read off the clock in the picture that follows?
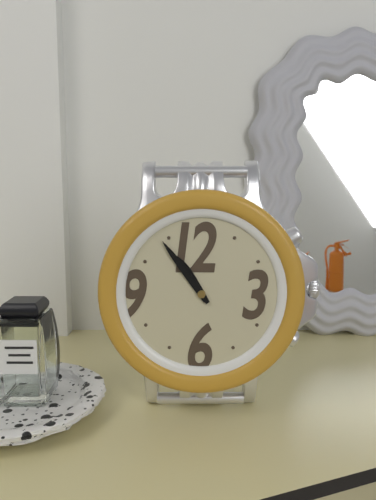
10:54
